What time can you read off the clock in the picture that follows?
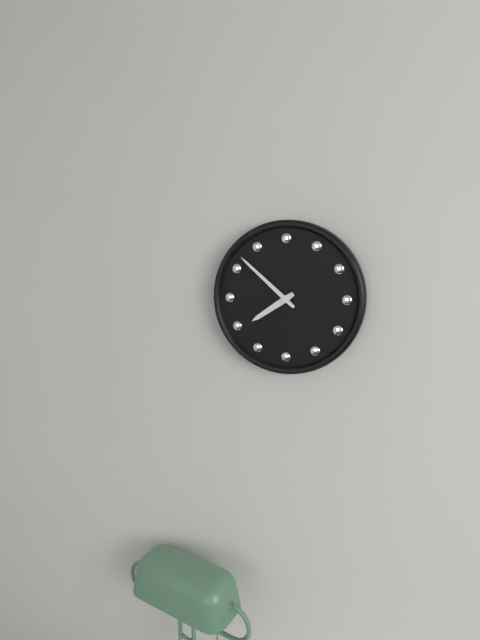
7:52
